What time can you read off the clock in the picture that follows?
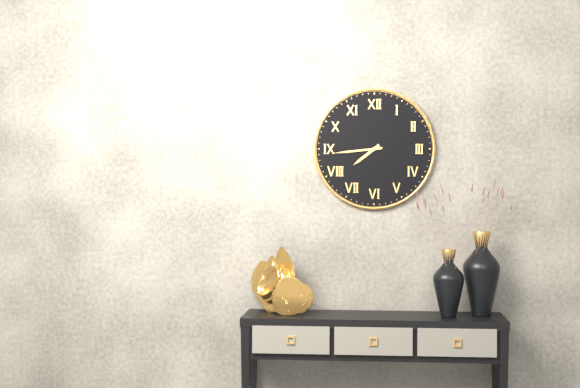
7:44
